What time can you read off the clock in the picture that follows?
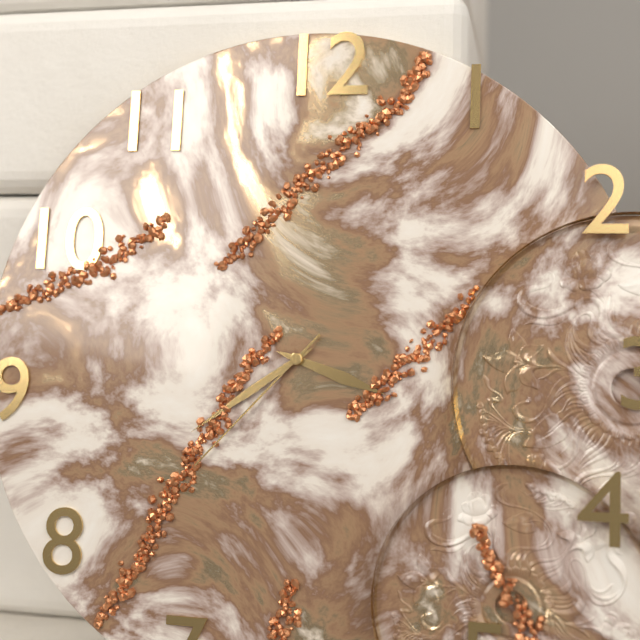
3:39:37
